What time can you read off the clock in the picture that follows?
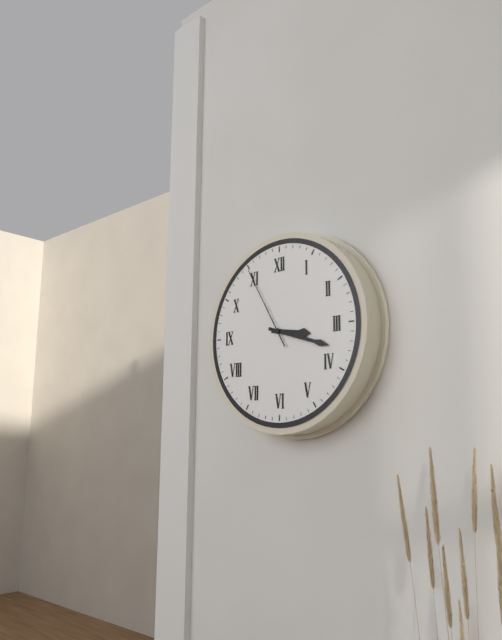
3:18:55
